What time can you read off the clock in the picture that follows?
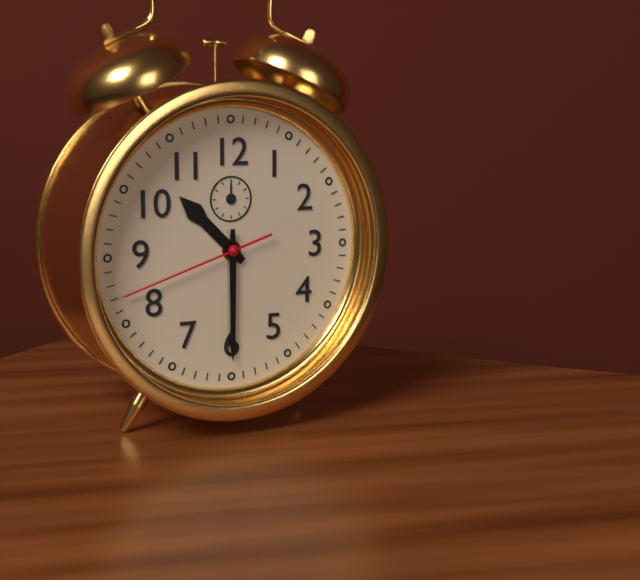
10:30:42
